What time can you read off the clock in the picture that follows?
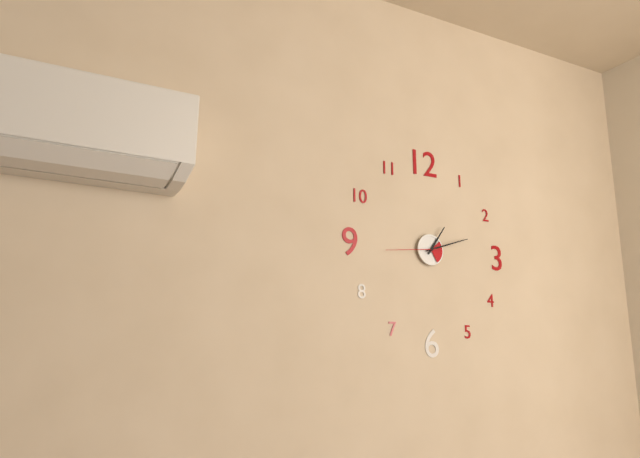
1:12:44
